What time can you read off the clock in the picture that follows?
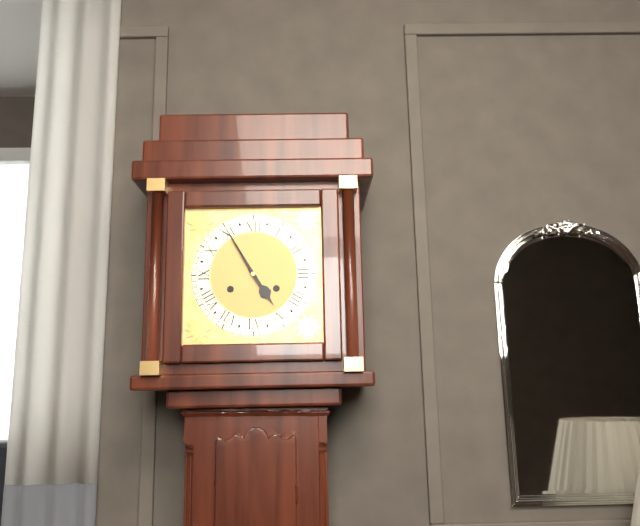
4:55
